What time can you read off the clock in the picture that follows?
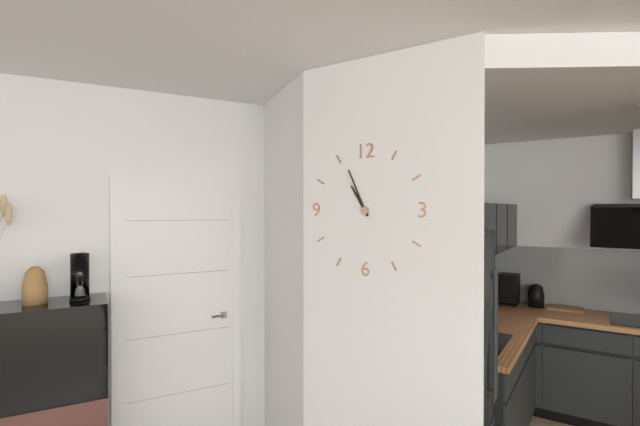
10:56
